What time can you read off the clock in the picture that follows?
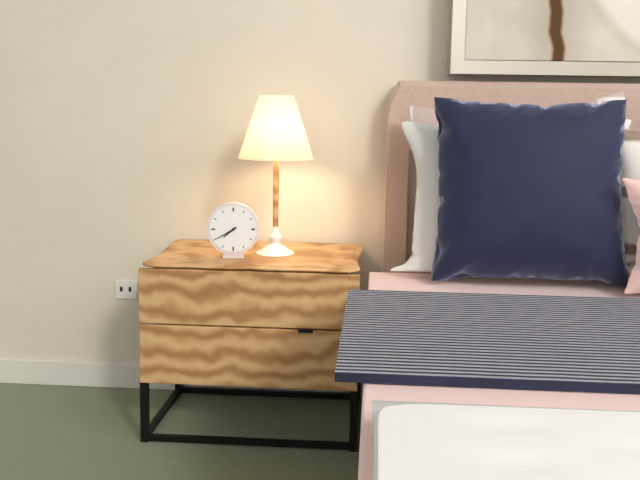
7:40
